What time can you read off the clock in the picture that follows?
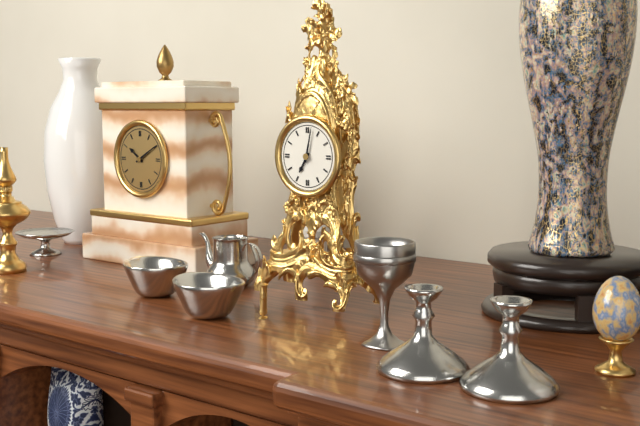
7:02
